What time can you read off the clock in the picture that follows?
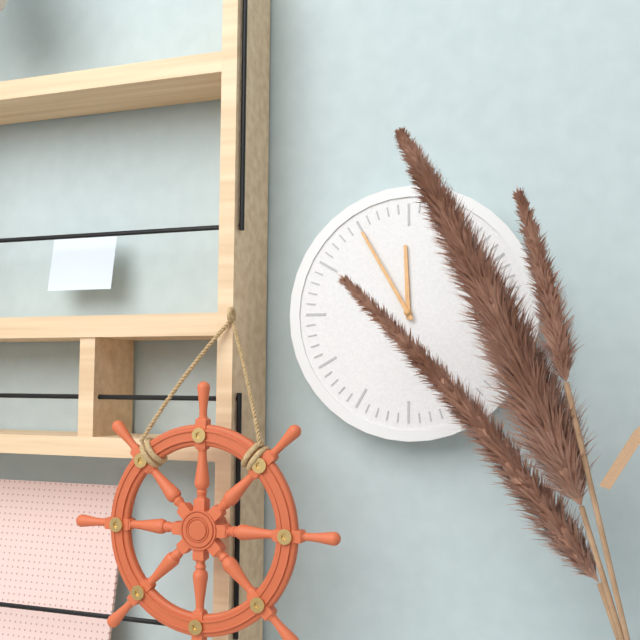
11:55
